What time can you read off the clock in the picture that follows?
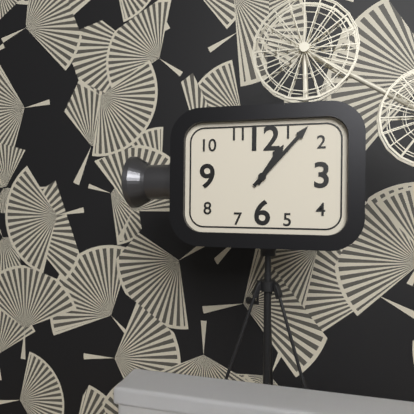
1:07
